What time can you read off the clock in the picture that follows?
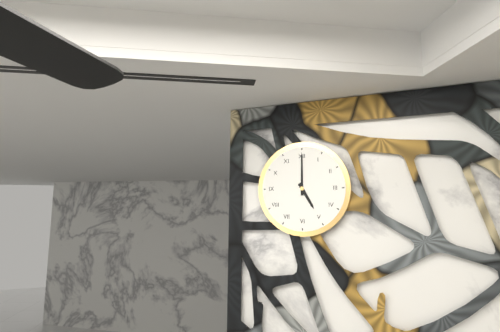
5:00
